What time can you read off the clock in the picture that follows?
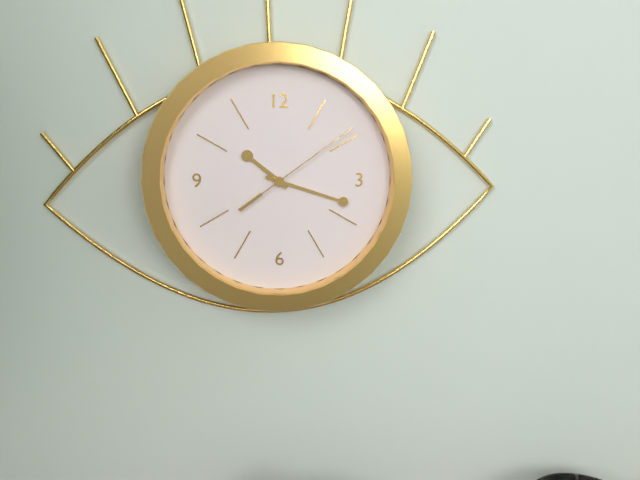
10:18:09
